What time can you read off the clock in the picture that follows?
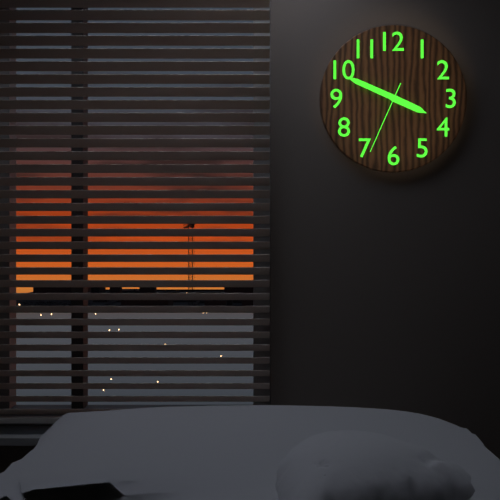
3:49:34
